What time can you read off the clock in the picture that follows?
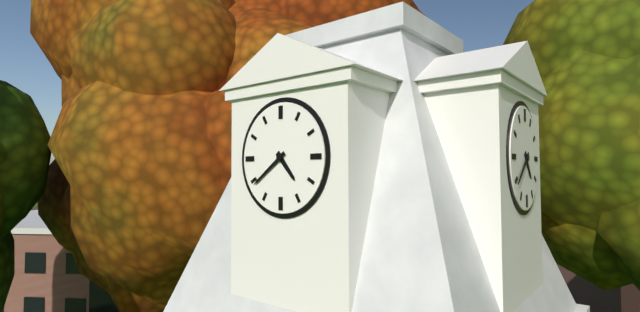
4:39
